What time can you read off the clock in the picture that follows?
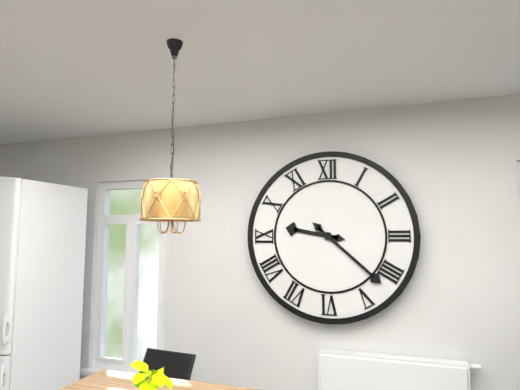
9:22
